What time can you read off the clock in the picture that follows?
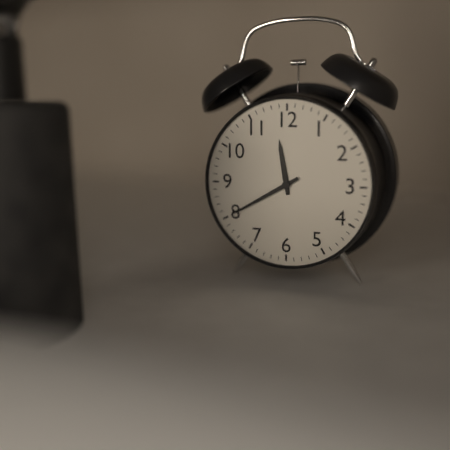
11:40
